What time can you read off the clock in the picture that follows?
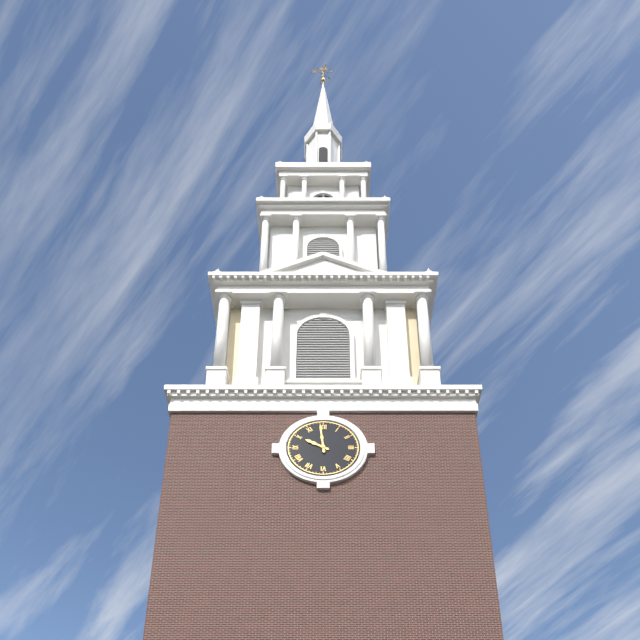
9:59
